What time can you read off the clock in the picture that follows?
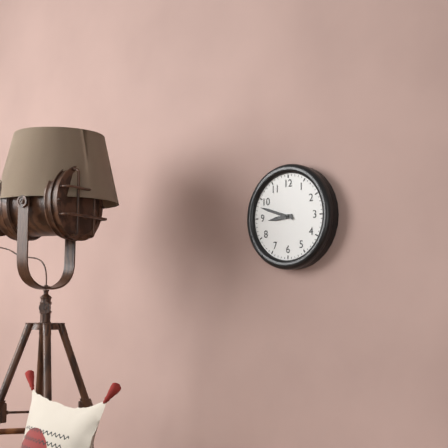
8:48
